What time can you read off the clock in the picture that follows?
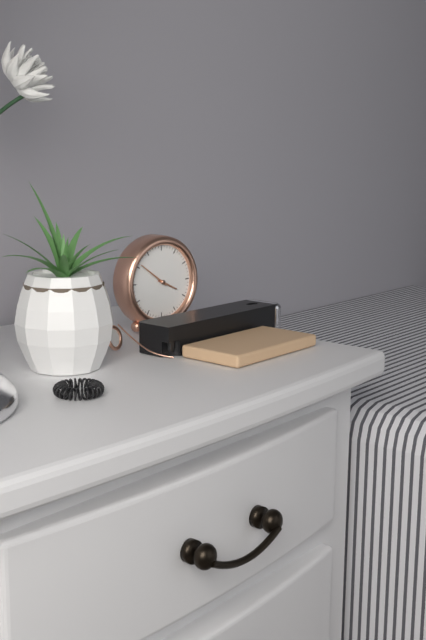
3:51
